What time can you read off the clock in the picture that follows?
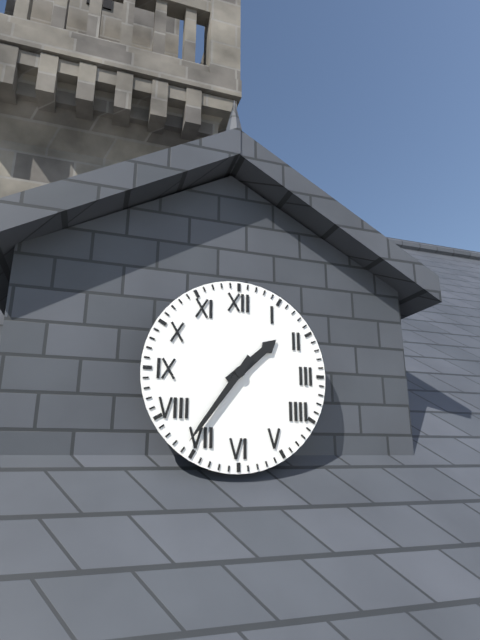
1:36
